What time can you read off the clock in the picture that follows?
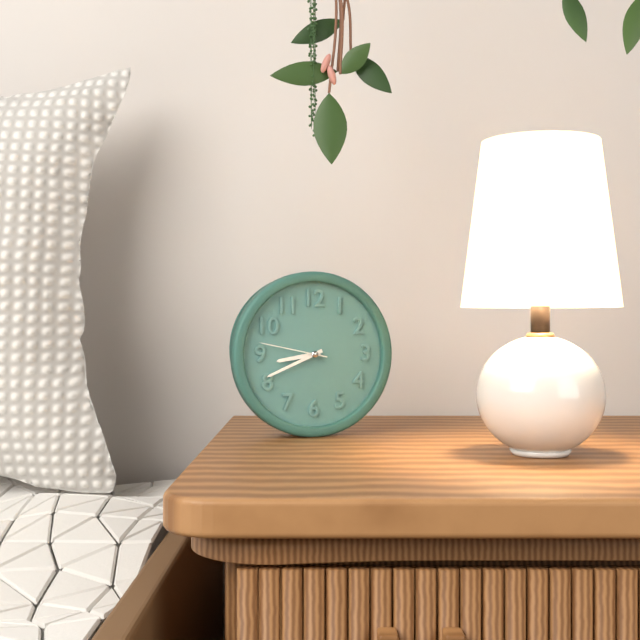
8:41:47
